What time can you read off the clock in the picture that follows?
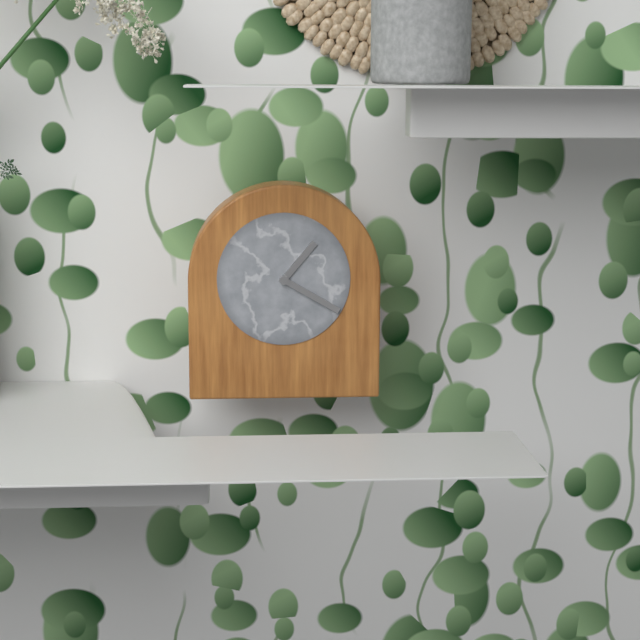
1:20
